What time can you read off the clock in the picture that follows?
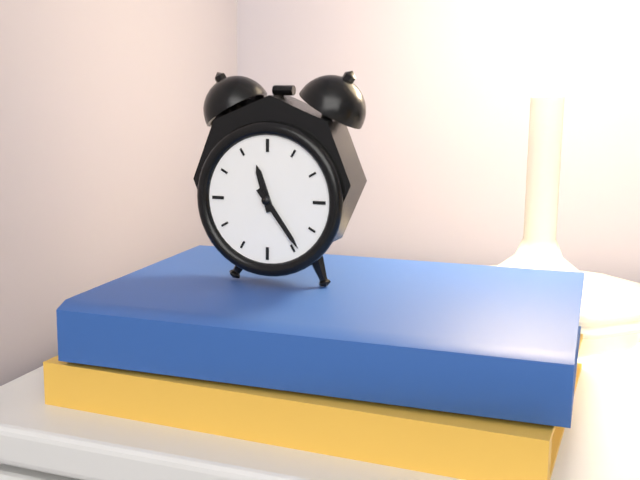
11:24
